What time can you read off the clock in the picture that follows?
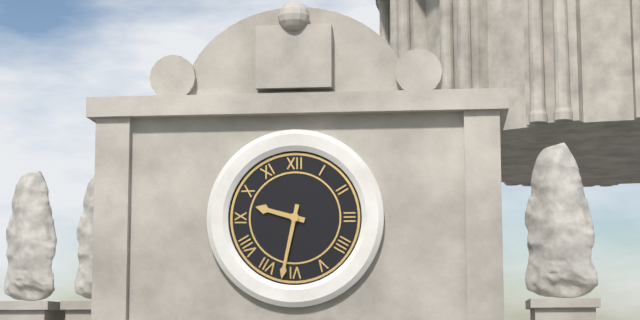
9:32
